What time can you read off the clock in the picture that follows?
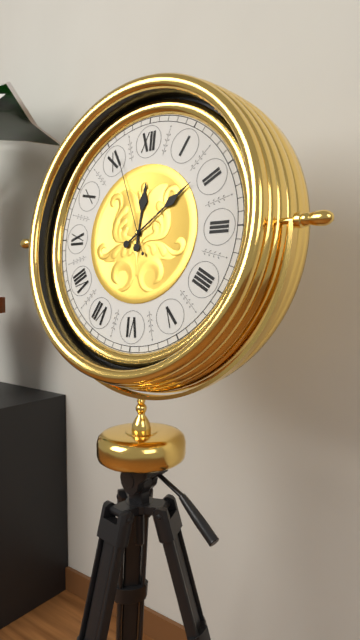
12:09:56
